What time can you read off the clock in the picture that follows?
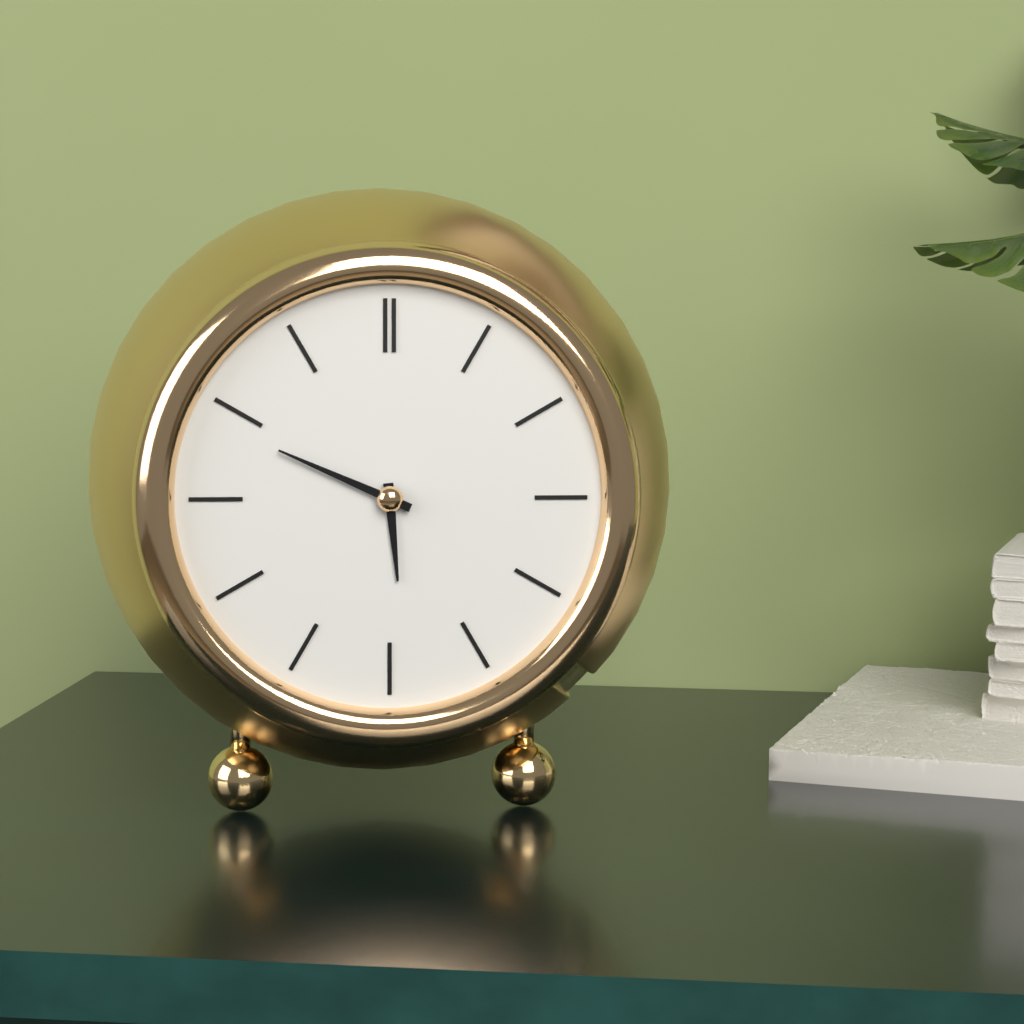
5:49
